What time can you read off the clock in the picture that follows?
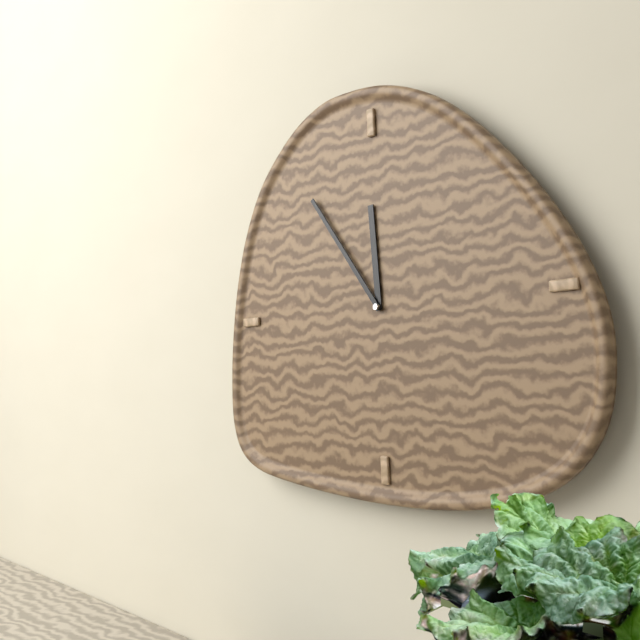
11:54
